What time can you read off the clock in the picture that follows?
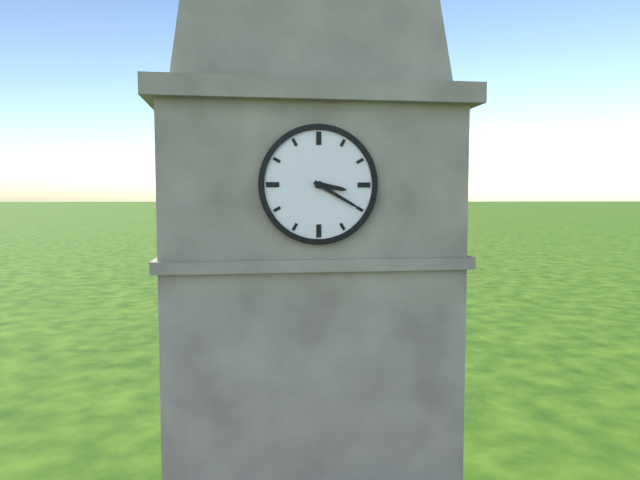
3:20
